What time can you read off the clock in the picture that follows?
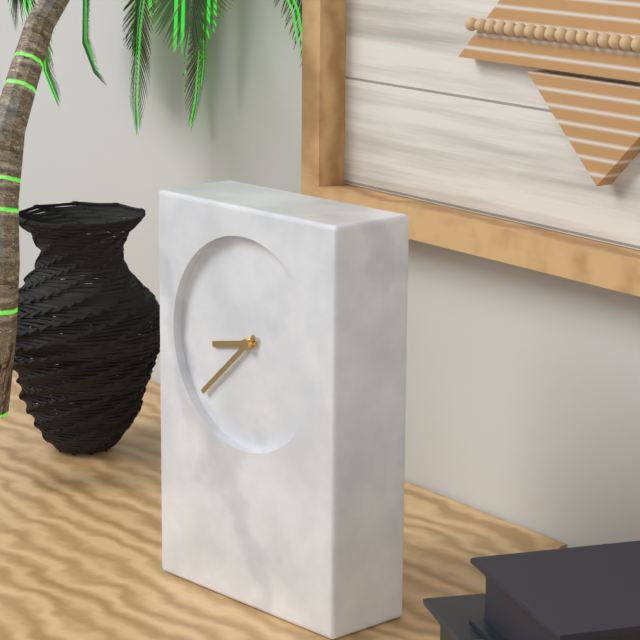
8:38
